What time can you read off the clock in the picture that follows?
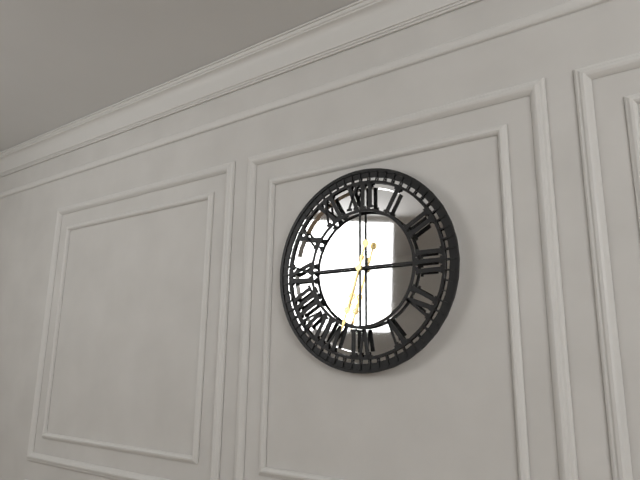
6:33
